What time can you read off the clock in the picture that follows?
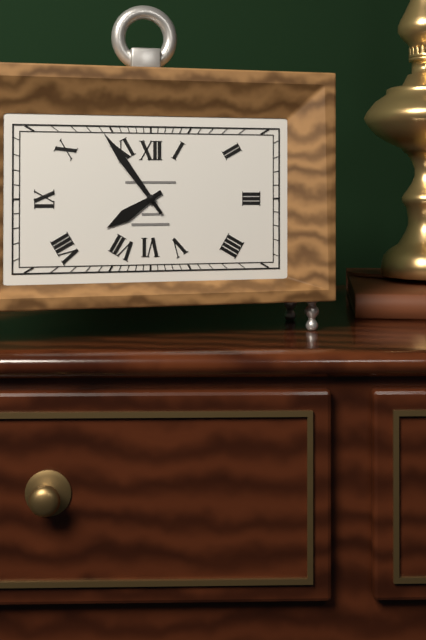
7:54
